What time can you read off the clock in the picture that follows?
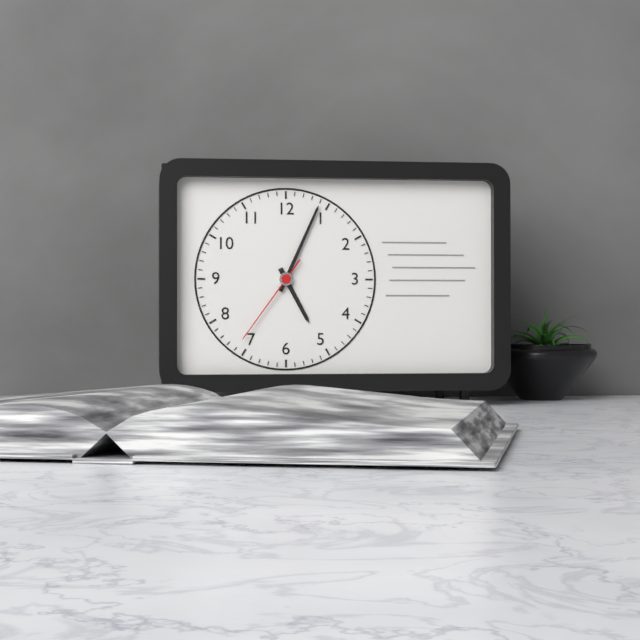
5:04:36
